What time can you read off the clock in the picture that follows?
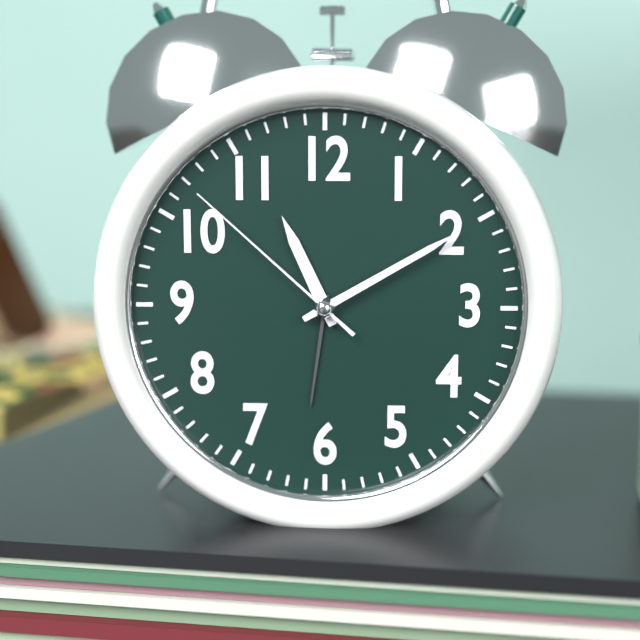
11:10:52
